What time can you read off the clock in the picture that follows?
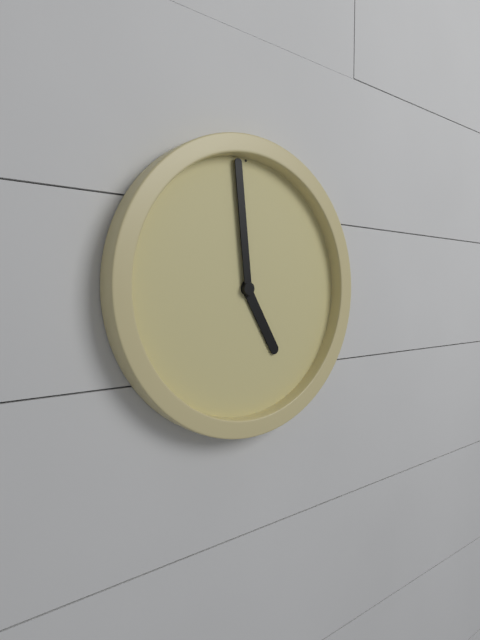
4:59
